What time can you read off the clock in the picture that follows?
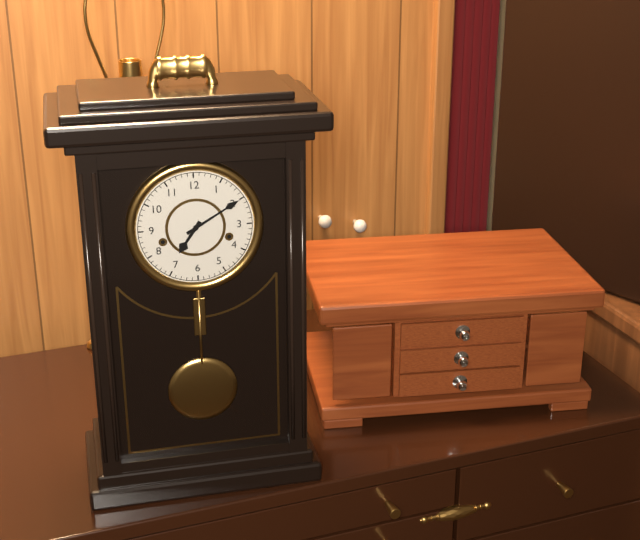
7:10
